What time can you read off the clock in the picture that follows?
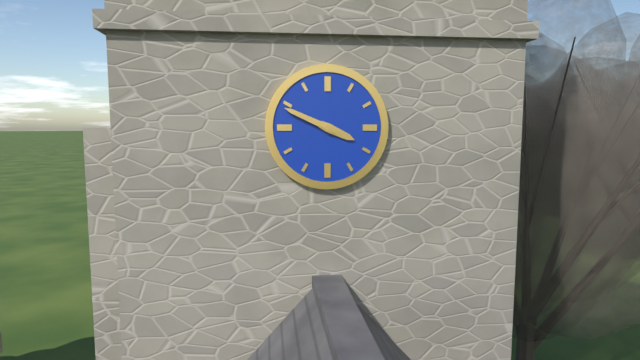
3:49
